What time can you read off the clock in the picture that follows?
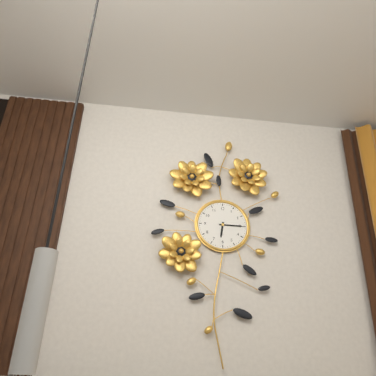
6:15
